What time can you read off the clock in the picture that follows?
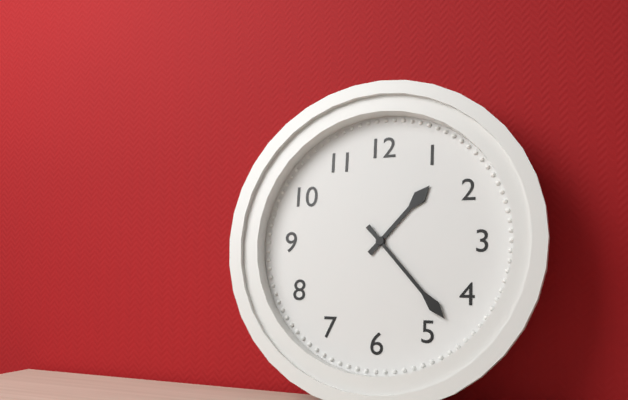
1:23
